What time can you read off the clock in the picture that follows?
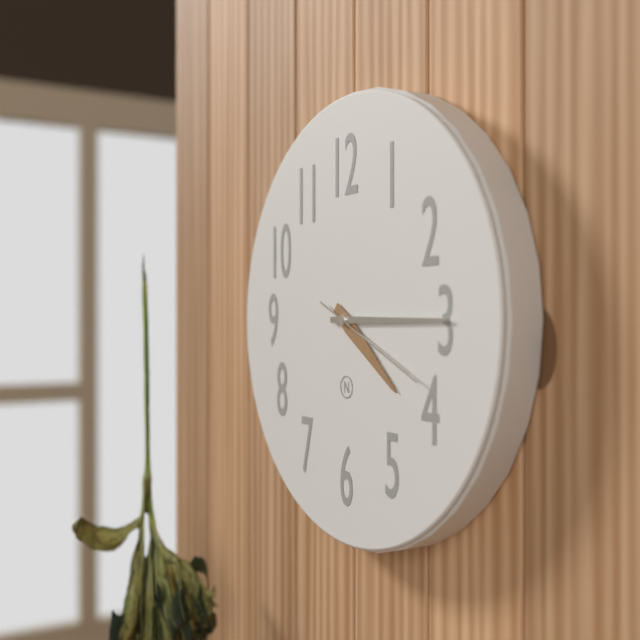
4:15:19
